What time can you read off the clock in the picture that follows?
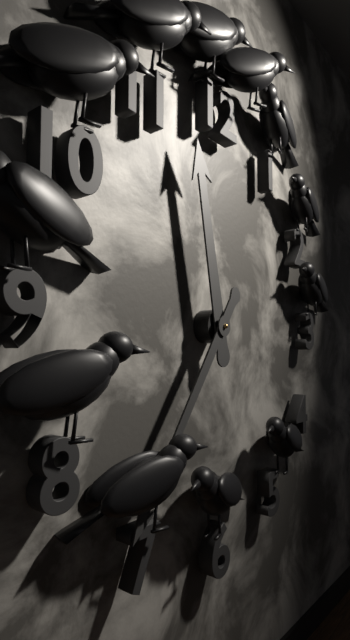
11:36
